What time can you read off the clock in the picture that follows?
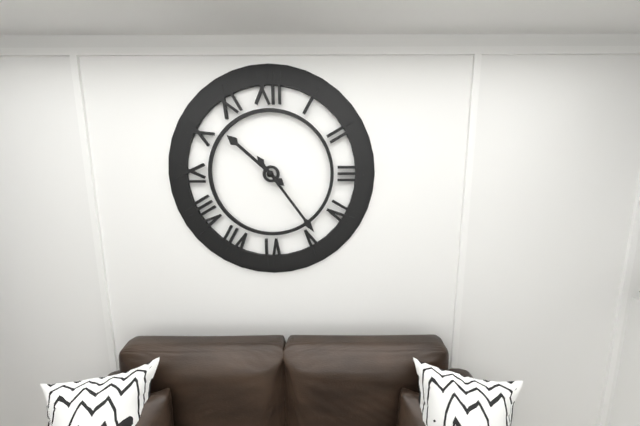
10:24
